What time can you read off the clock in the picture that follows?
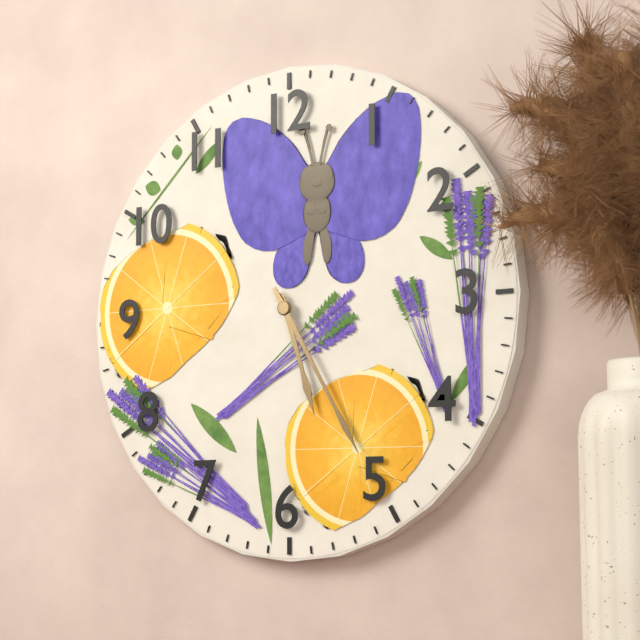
5:25
